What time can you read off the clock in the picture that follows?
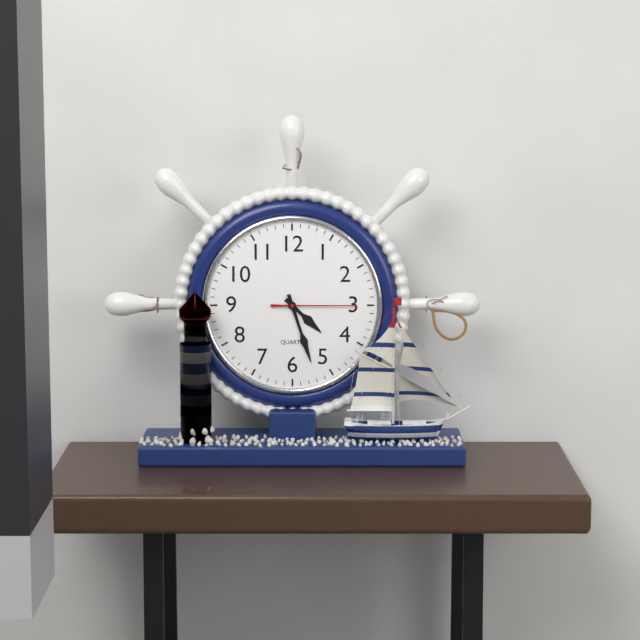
4:27:15
